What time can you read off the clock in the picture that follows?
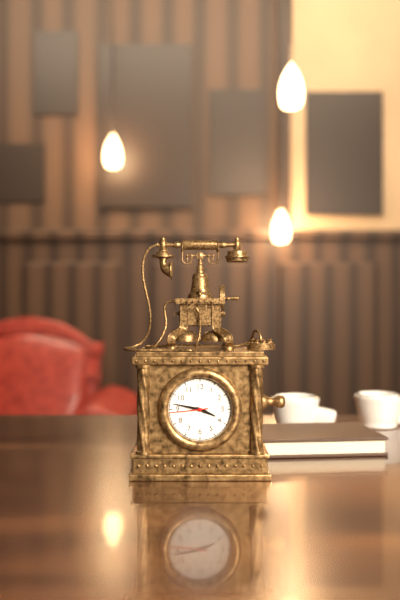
3:47
